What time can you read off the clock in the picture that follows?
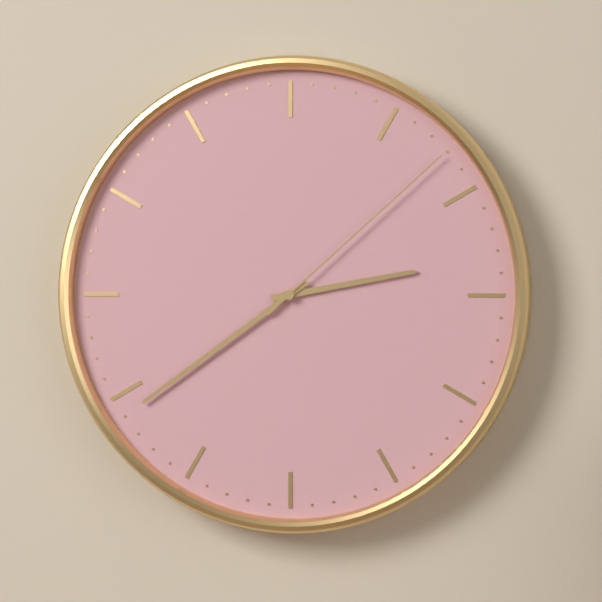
2:39:08
